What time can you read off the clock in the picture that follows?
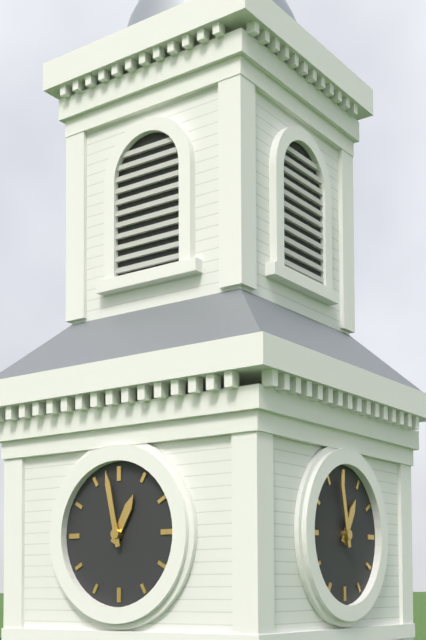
12:58
